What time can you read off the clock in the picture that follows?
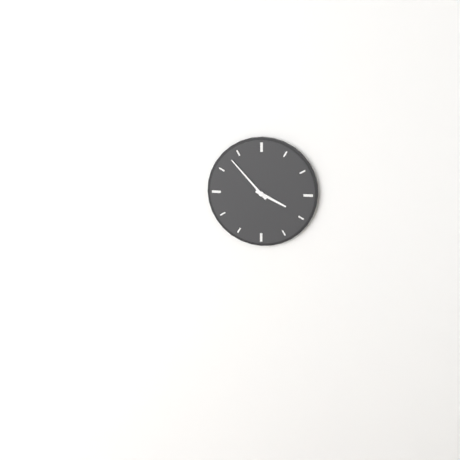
3:53
